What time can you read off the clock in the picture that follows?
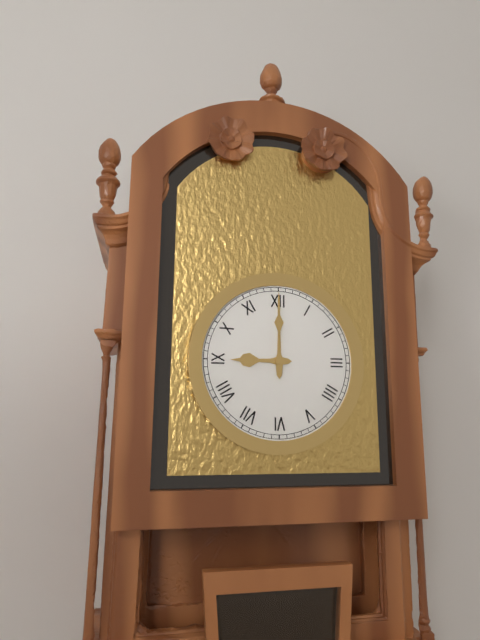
9:00
